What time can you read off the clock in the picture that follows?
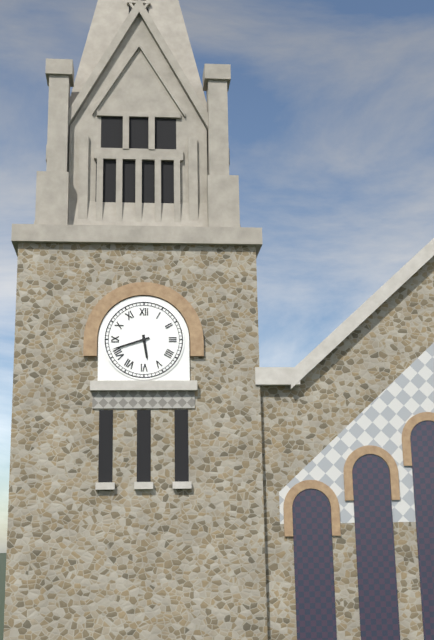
5:42
